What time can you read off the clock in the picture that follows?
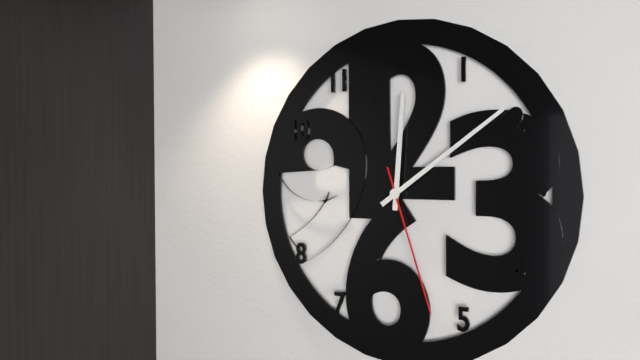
12:09:27
